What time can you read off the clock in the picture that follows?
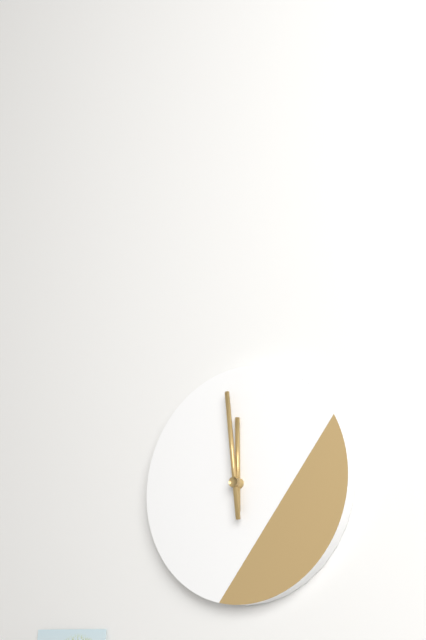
11:59
